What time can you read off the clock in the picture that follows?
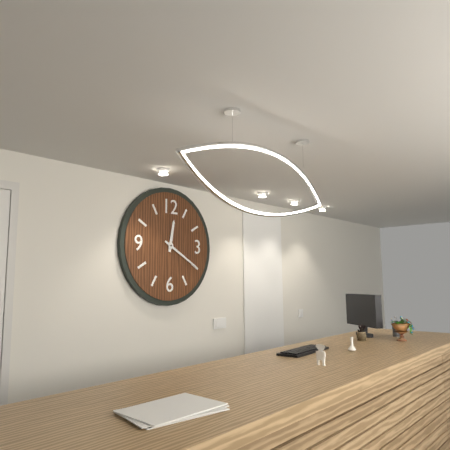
12:20
